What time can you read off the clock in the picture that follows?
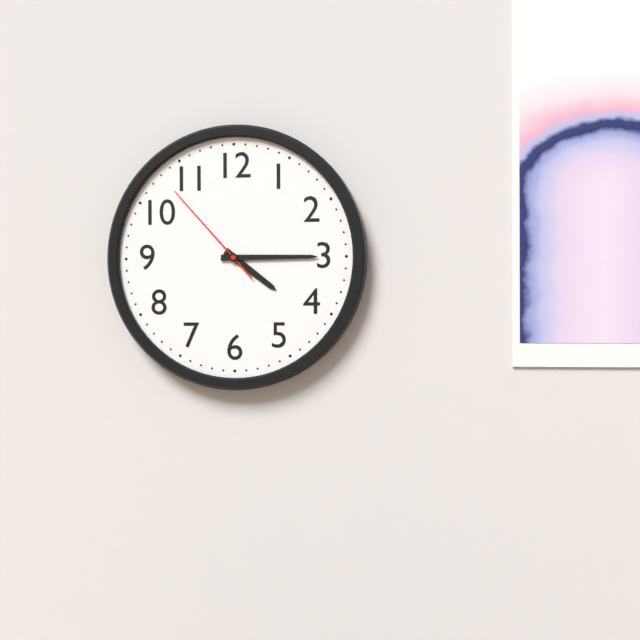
4:15:53
